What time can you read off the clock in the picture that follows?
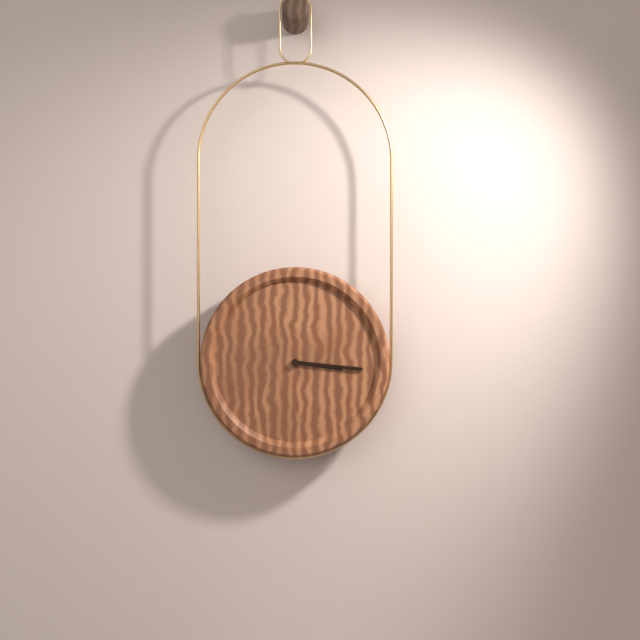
3:16
